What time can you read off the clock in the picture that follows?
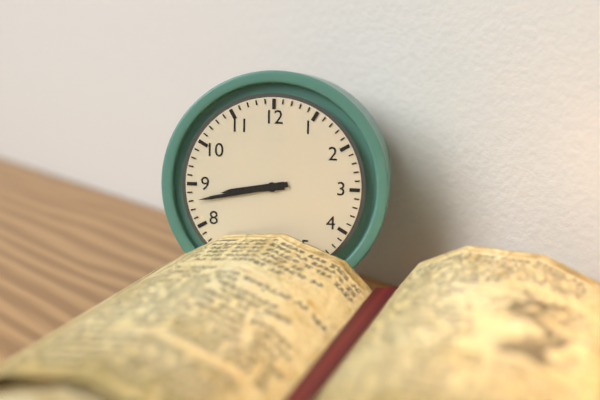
8:43
